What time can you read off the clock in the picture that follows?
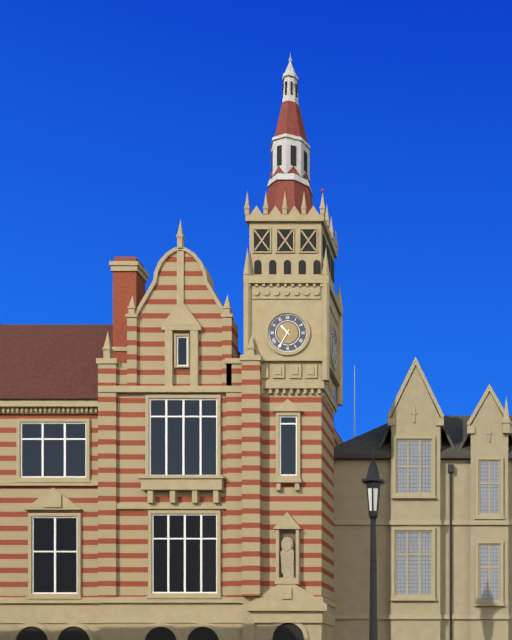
10:35
